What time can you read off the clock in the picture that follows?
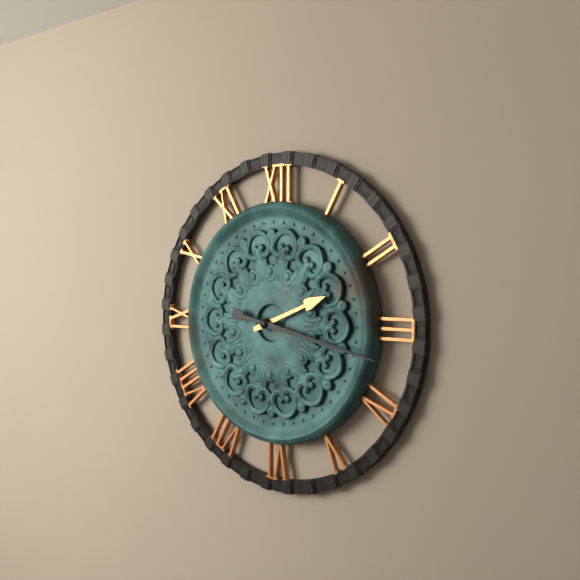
2:17
